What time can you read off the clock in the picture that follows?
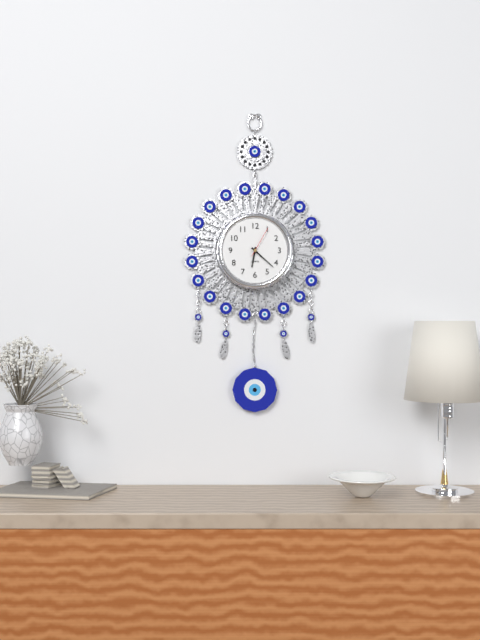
6:22
